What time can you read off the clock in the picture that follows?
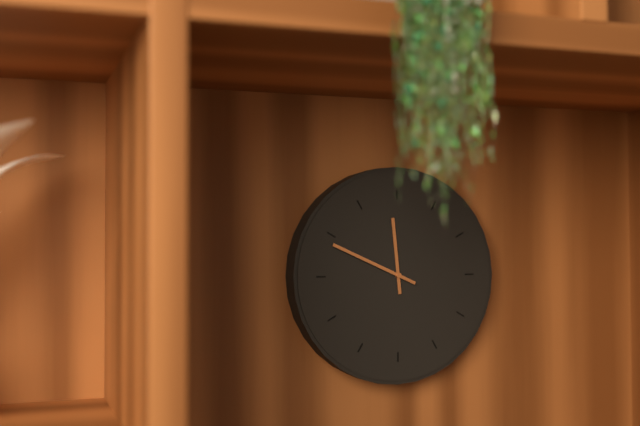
11:49
